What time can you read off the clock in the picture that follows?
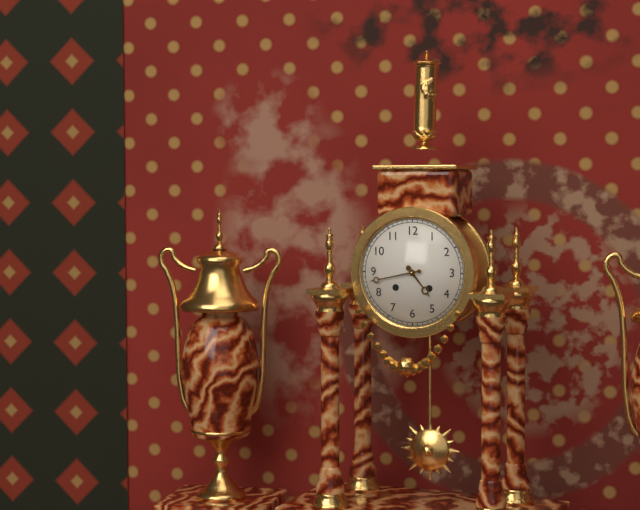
4:43
